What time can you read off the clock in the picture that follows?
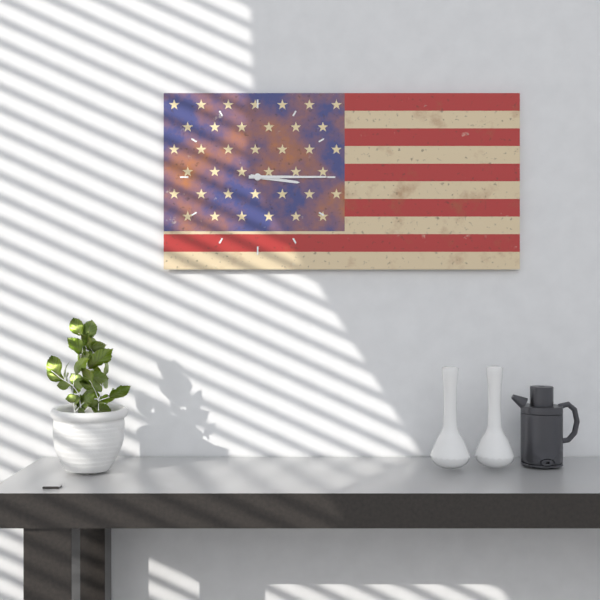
3:15
